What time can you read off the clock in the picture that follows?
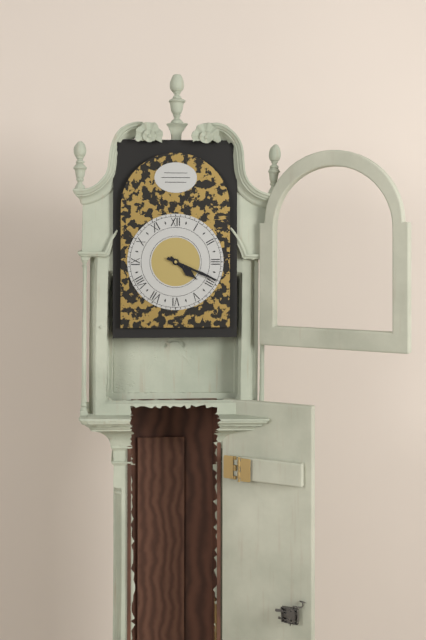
4:19
